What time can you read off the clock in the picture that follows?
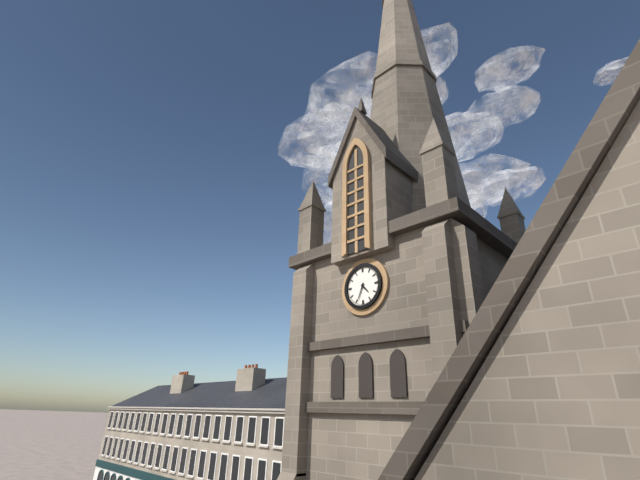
4:34
